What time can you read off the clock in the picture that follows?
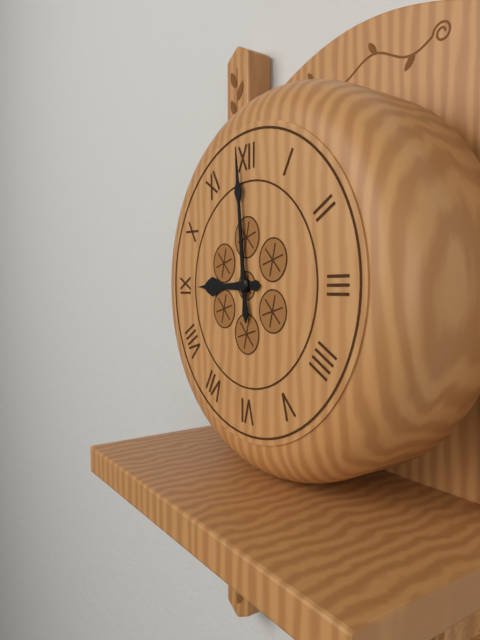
8:59
